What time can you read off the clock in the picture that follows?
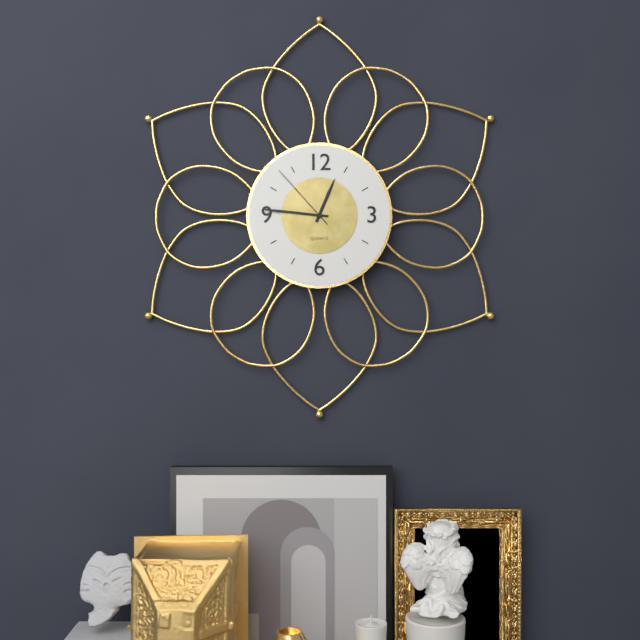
12:46:53
